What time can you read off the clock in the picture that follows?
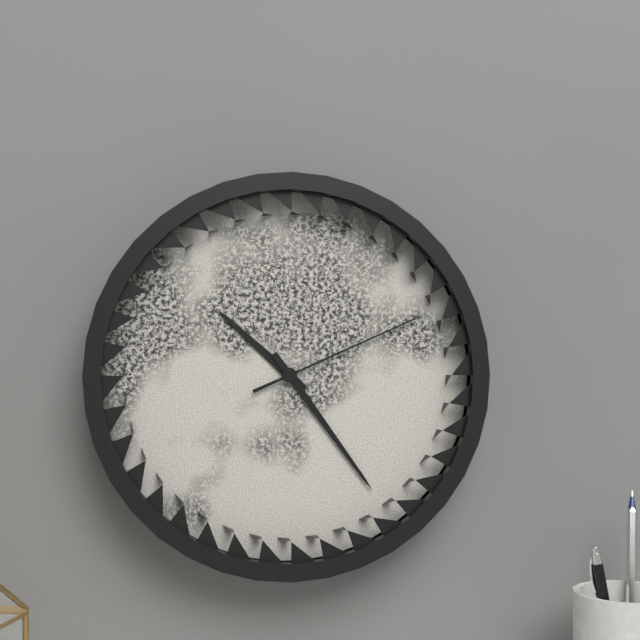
10:24:11
